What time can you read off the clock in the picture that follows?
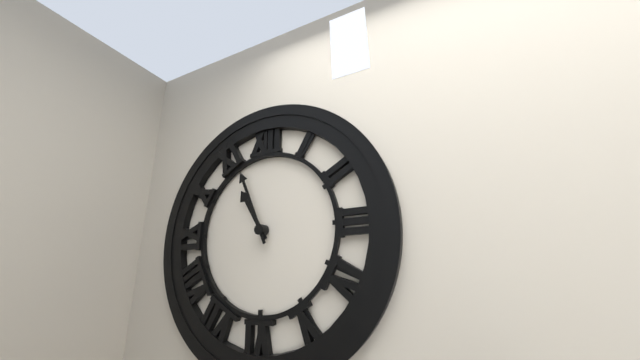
10:56
